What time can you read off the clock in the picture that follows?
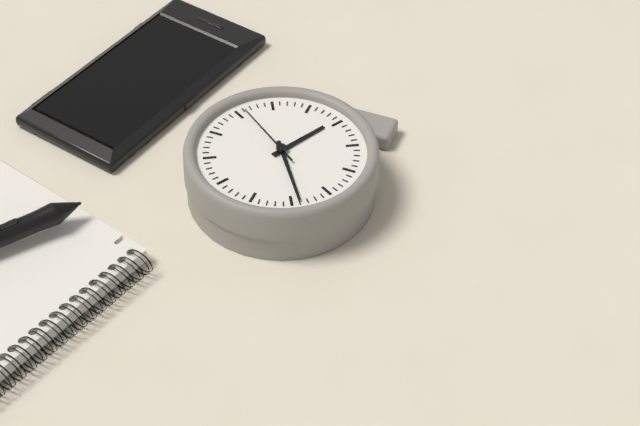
6:54:21
